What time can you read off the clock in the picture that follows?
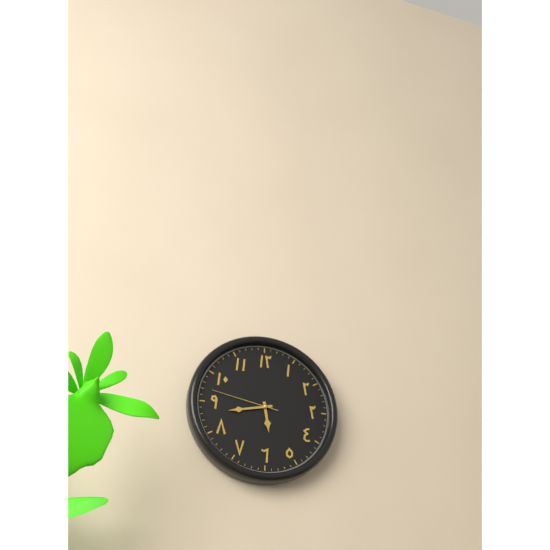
5:43:47
